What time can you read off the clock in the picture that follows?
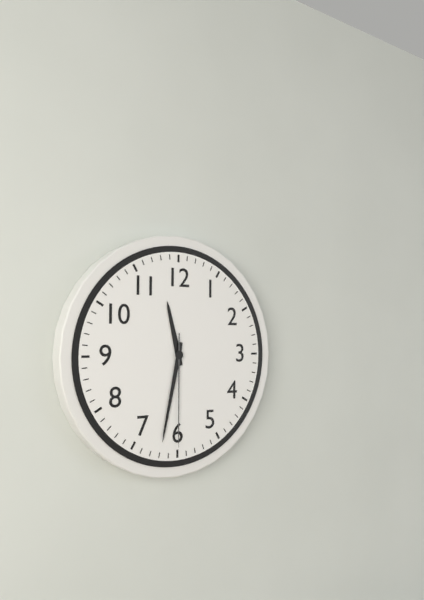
11:32:30
